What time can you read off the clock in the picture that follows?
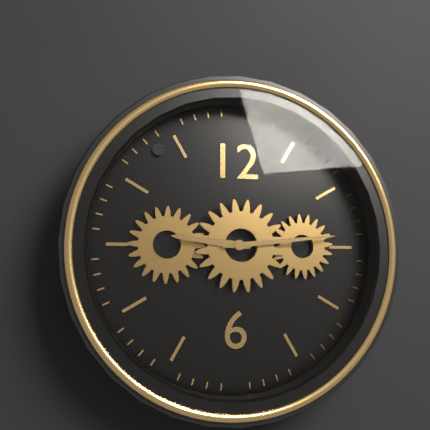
9:14
